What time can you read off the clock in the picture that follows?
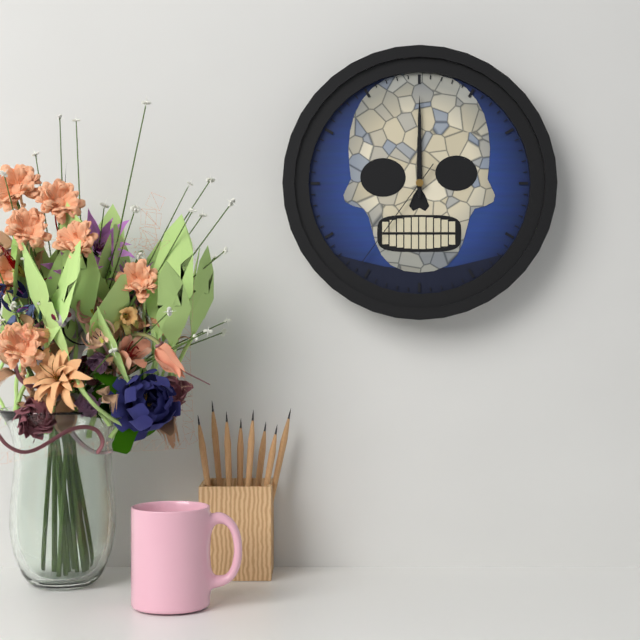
12:00:36
